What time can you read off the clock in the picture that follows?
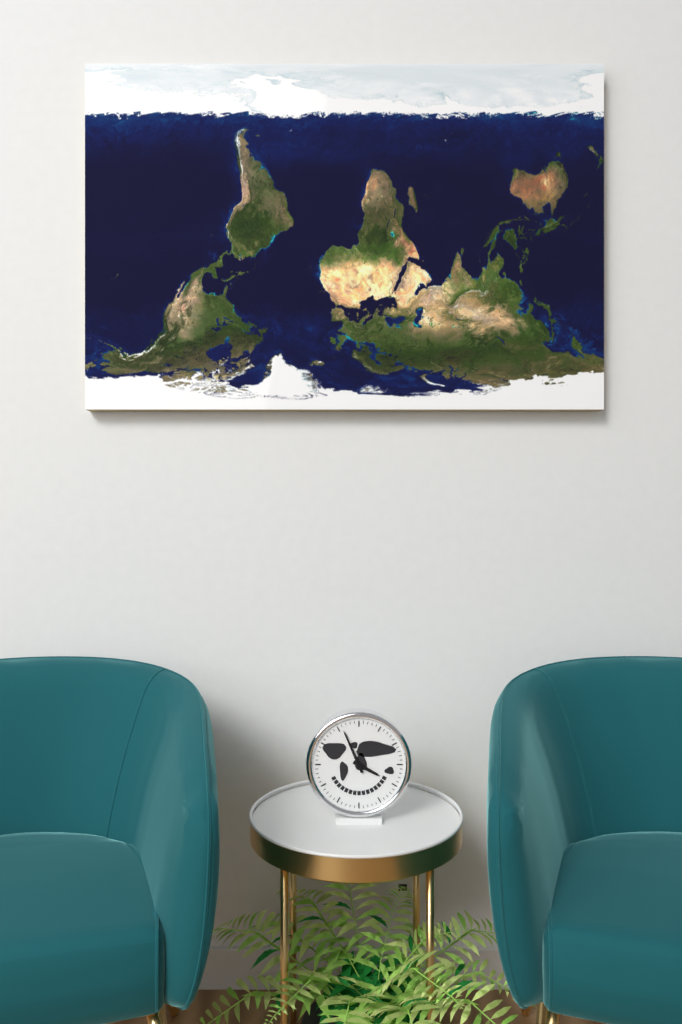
3:56
